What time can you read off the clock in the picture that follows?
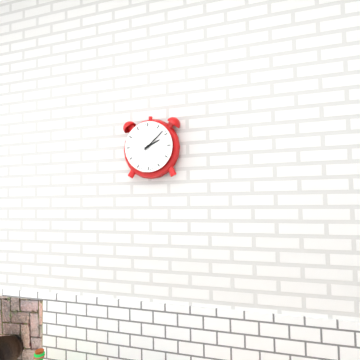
2:08
